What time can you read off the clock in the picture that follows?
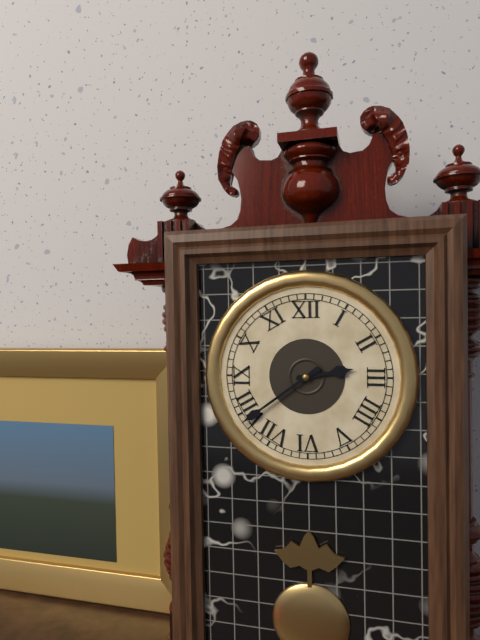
2:39
